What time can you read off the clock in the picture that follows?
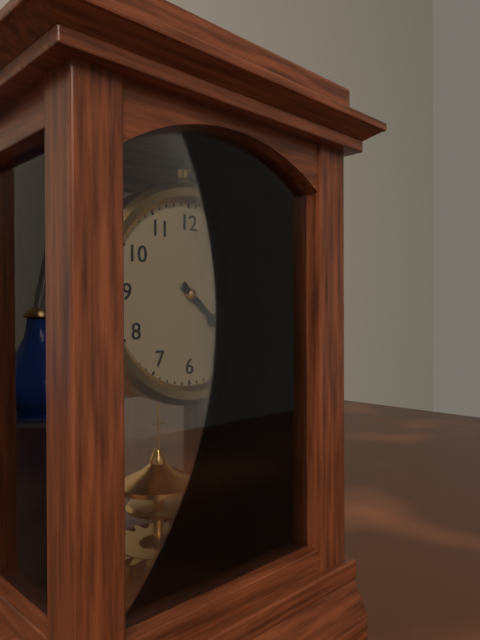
4:22
